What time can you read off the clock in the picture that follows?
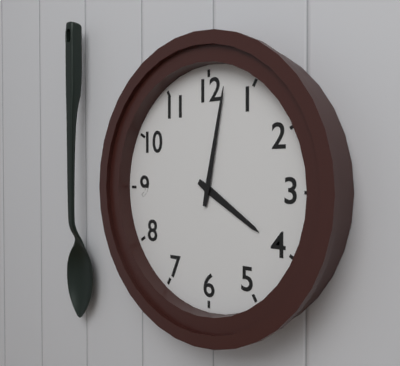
4:02
